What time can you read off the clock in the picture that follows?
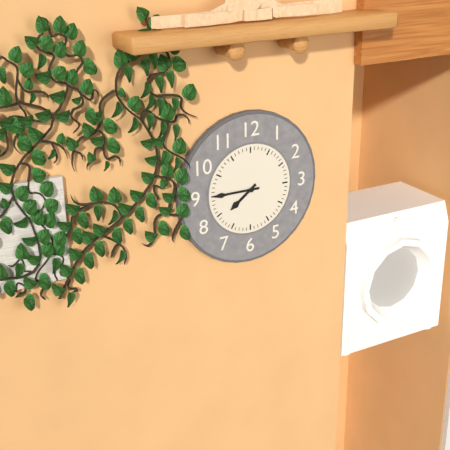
7:45
